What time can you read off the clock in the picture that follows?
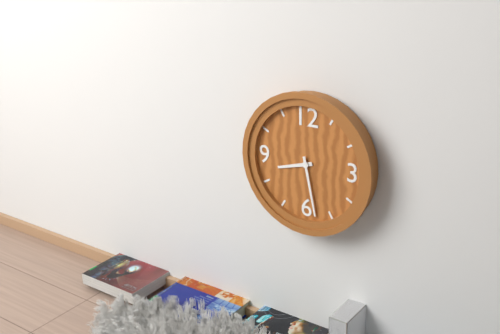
8:28
